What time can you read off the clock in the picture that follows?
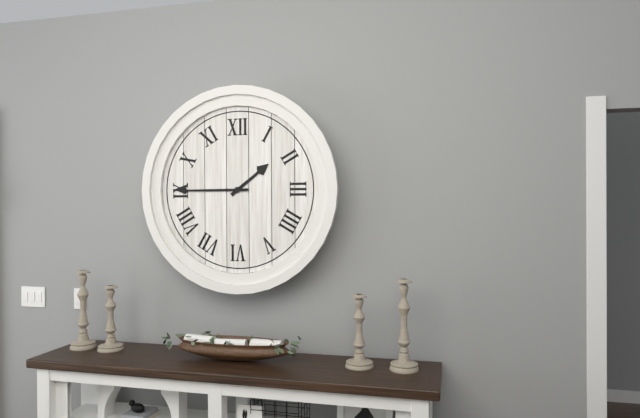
1:45
